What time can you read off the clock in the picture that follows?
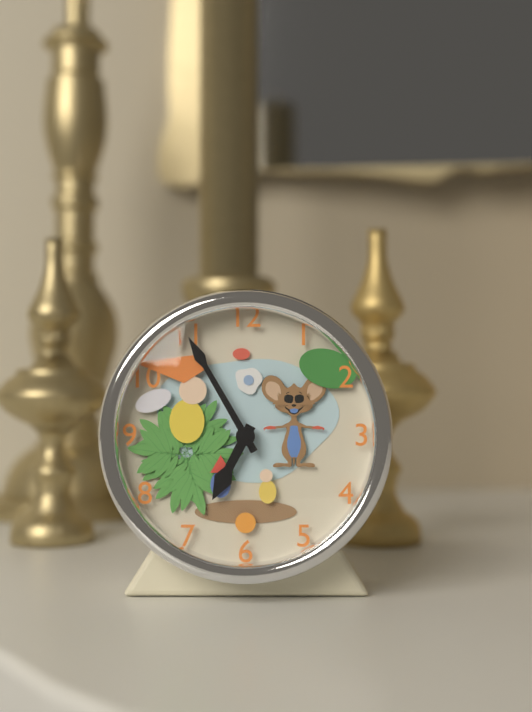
6:55
